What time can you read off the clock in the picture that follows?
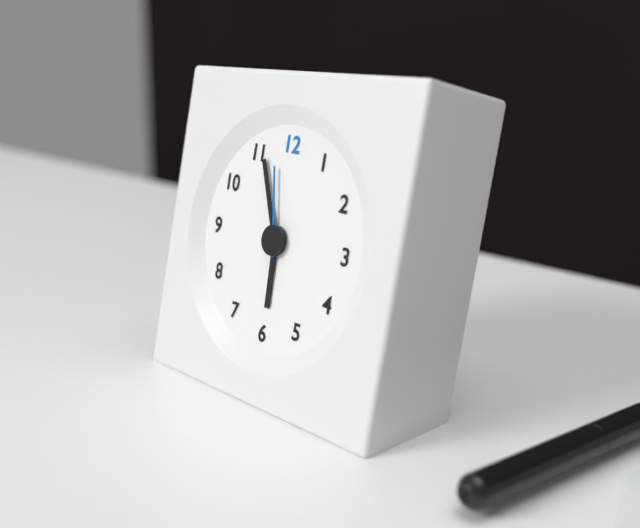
5:56:58
